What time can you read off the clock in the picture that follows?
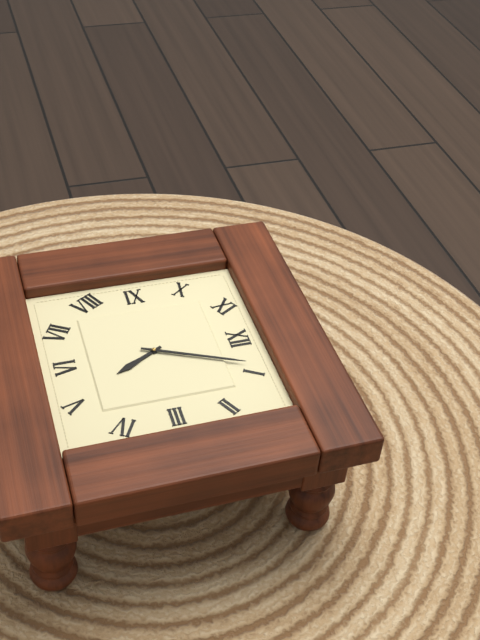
5:04
